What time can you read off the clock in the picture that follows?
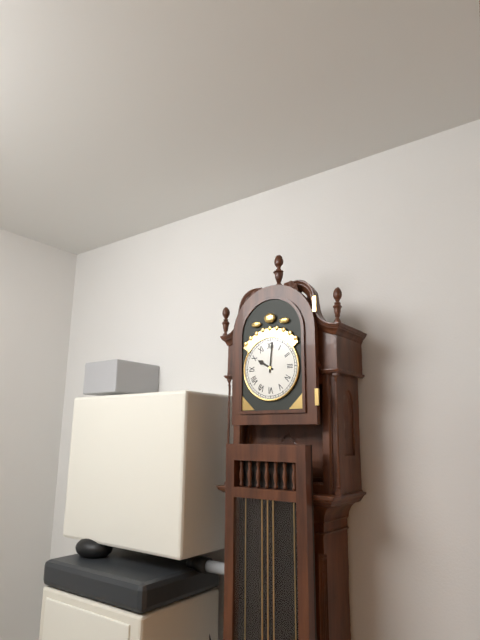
10:01
